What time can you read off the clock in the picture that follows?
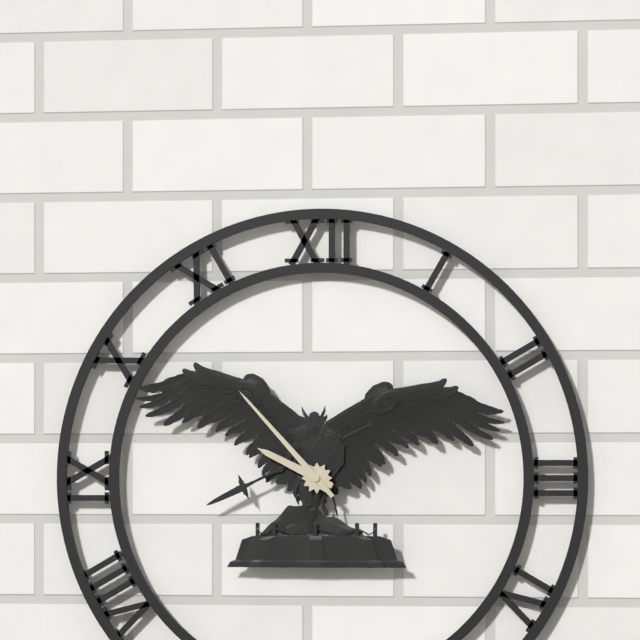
9:53
